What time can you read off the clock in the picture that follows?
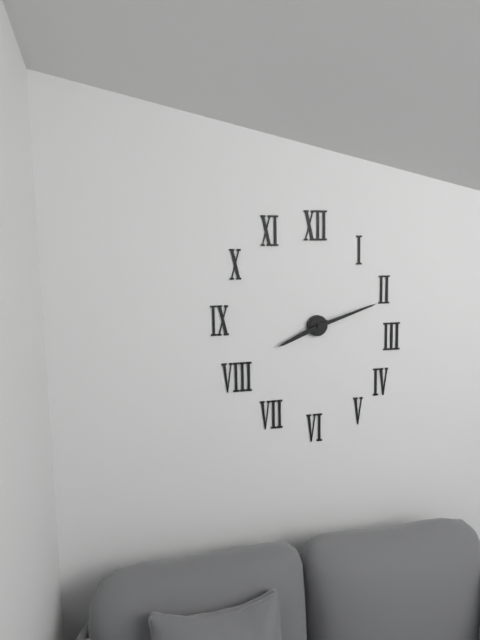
8:12
